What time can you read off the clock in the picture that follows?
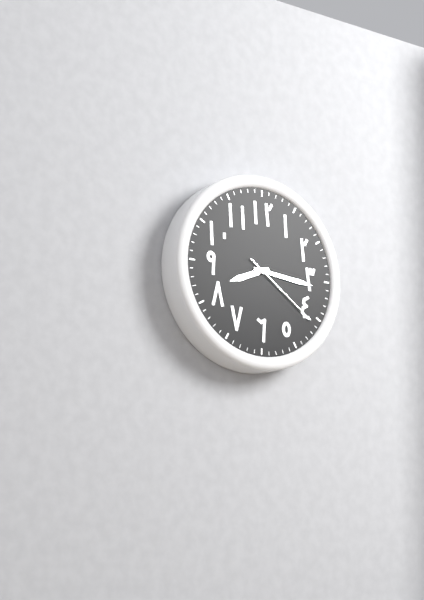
8:16:21
